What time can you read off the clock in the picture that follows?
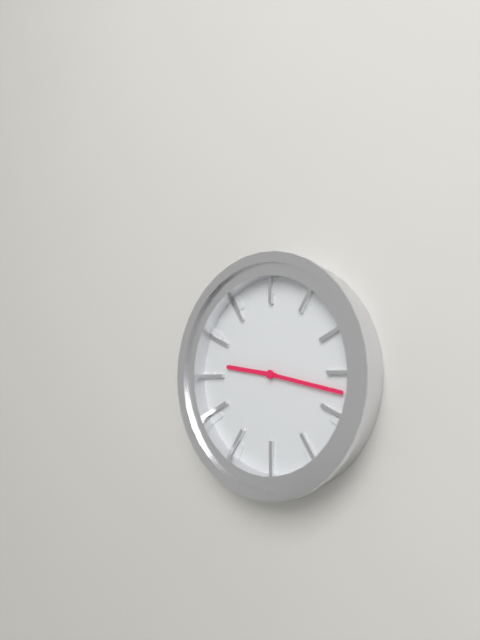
9:17
